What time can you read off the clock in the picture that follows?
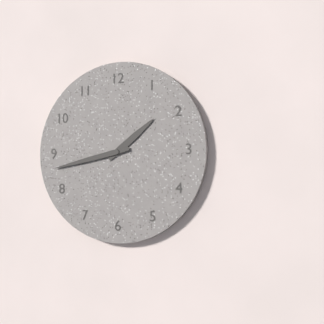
1:43
